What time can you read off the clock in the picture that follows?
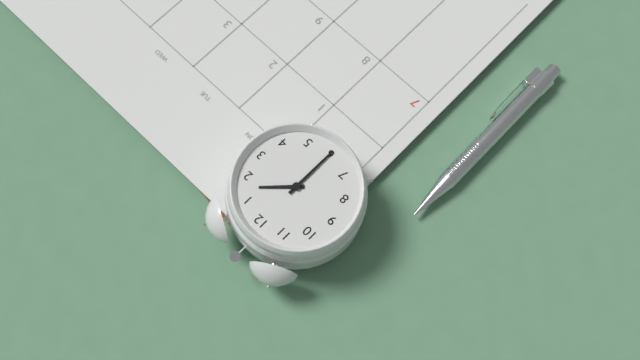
1:30
